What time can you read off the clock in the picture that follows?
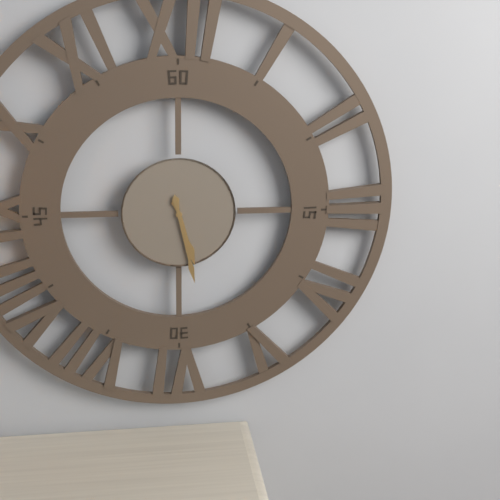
5:28
